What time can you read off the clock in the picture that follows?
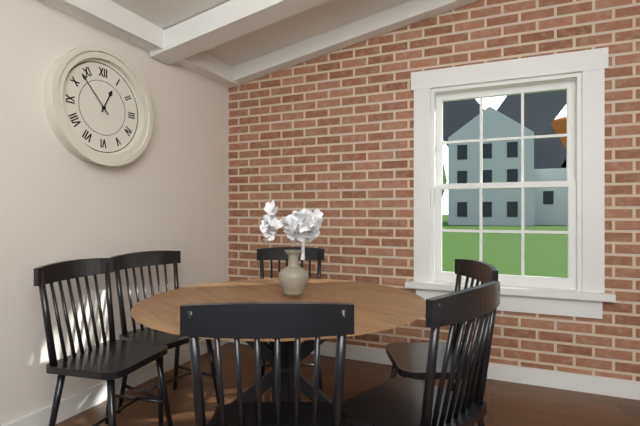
12:53
